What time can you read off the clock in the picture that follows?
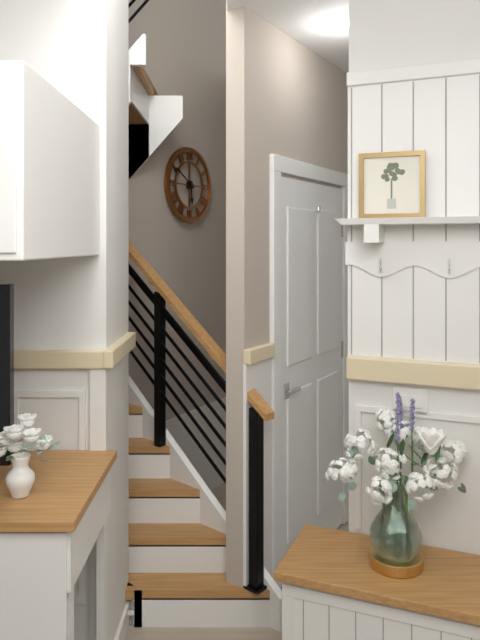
5:50
